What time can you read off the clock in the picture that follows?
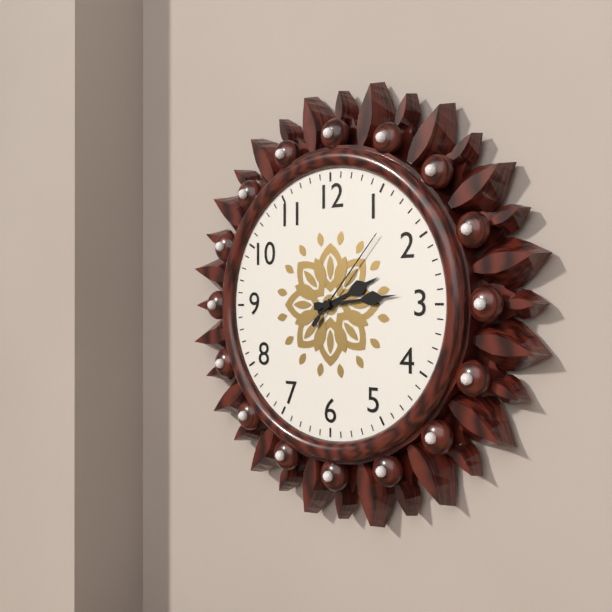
2:14:07
